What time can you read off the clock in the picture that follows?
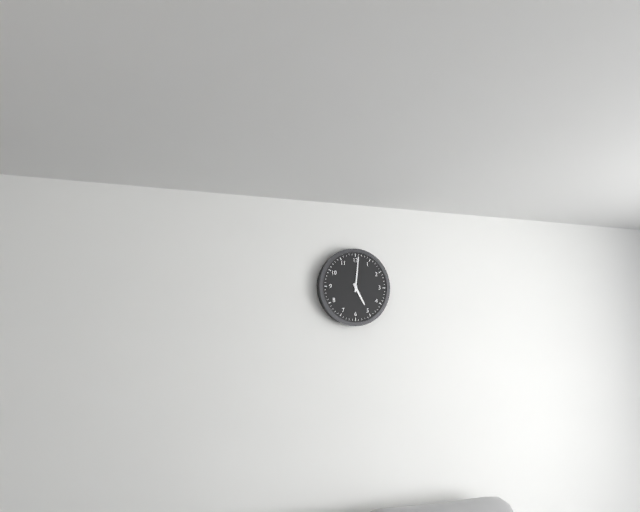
5:01
